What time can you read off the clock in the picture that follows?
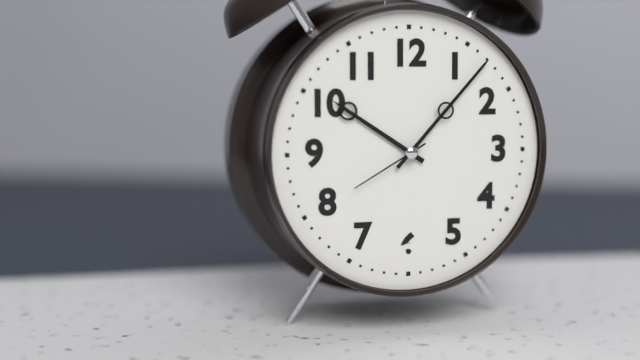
10:07:40
